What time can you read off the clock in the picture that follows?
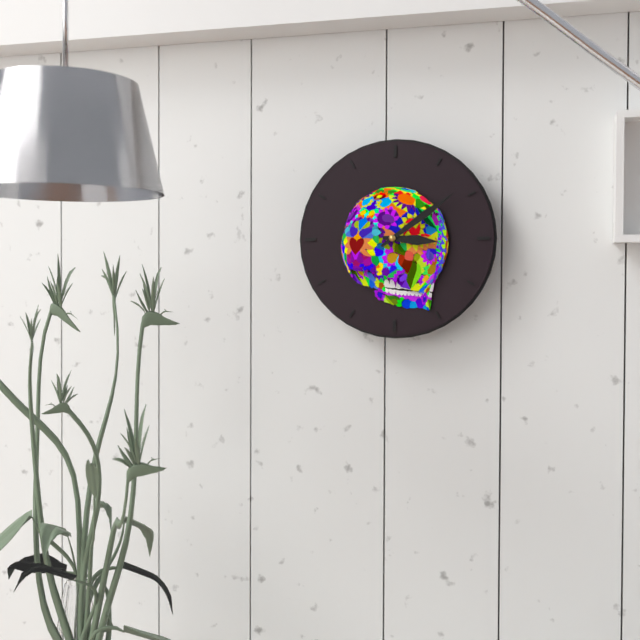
3:09
